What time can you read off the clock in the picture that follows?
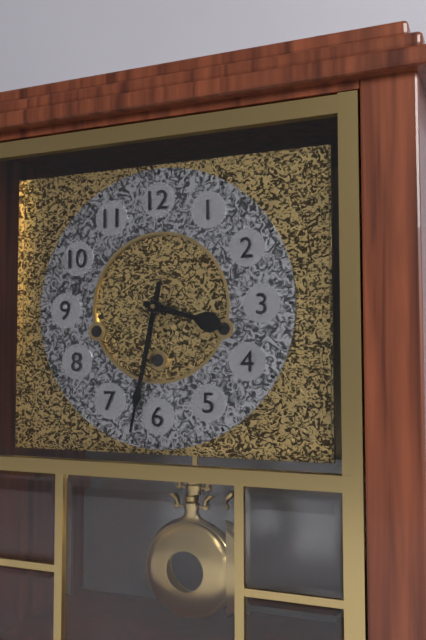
3:32
